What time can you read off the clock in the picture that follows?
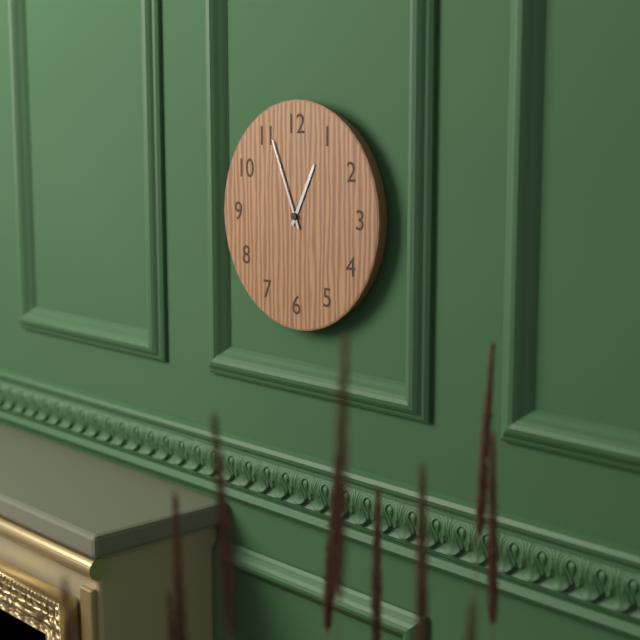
12:56
